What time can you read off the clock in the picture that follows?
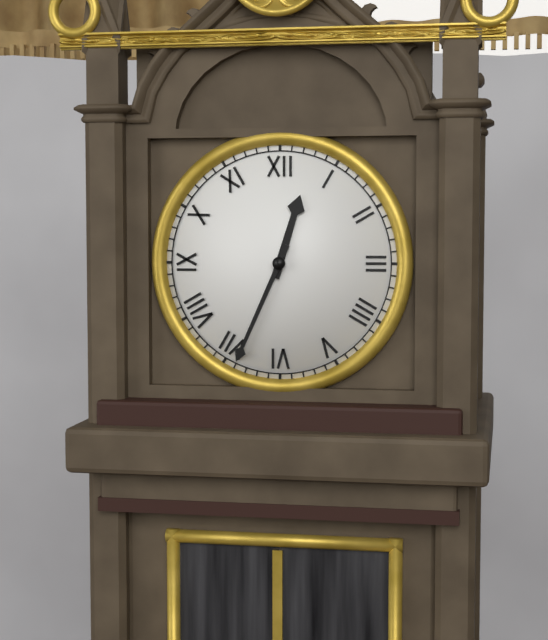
12:34
